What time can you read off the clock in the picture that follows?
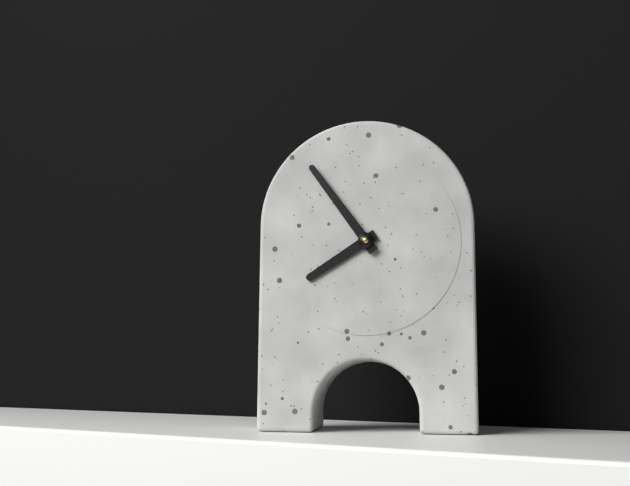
7:54
